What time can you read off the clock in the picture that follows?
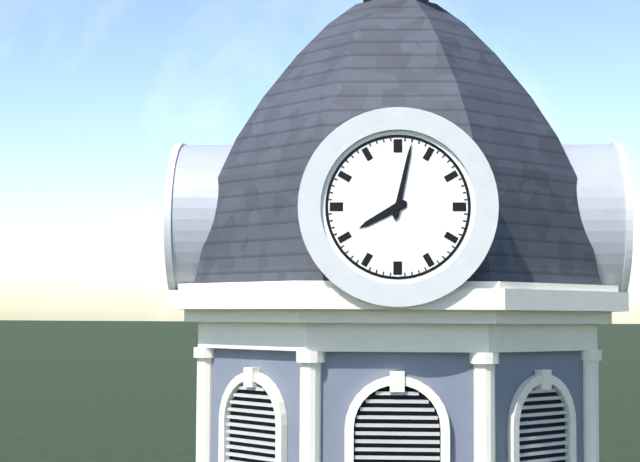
8:02
